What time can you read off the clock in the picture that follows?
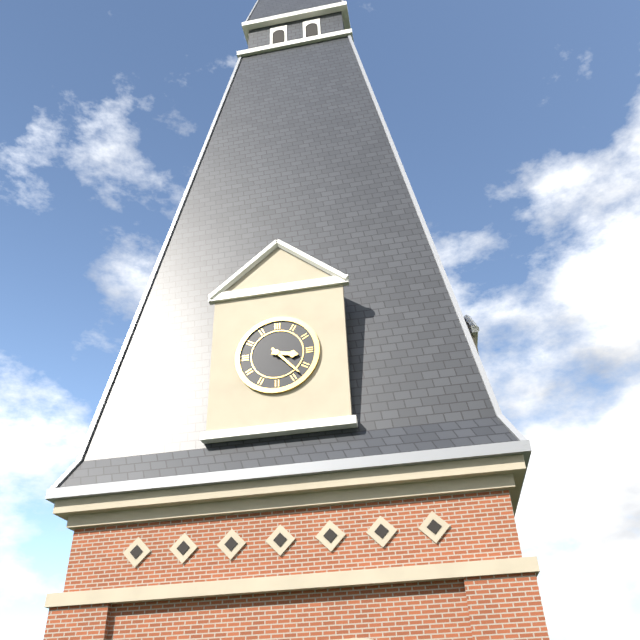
3:23
